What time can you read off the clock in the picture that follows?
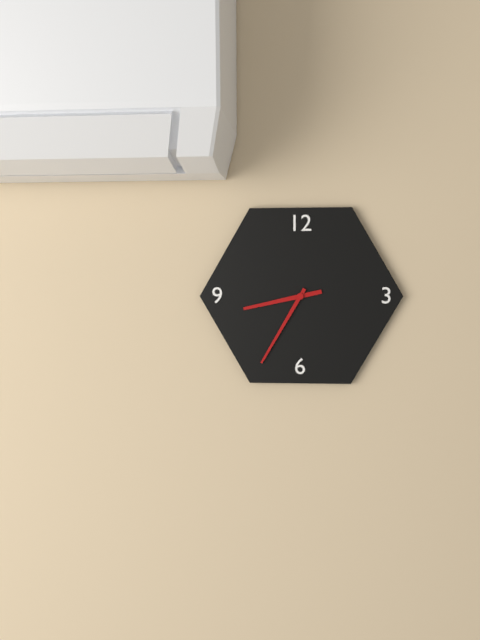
8:35
